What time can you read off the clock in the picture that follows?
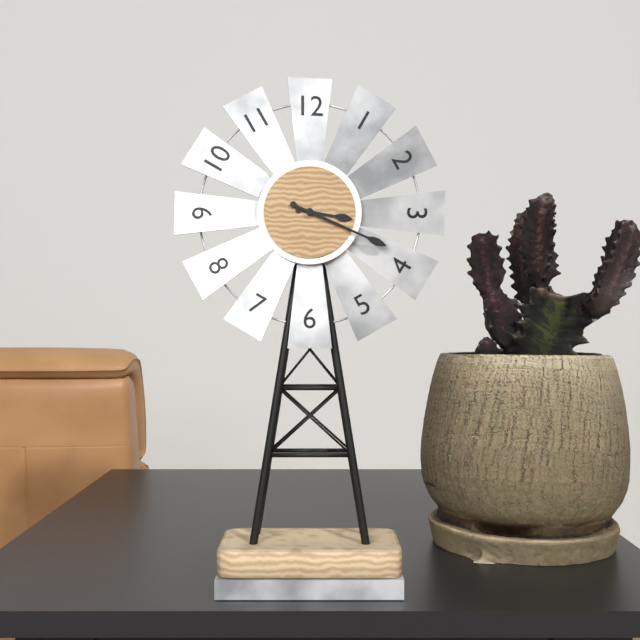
3:19
